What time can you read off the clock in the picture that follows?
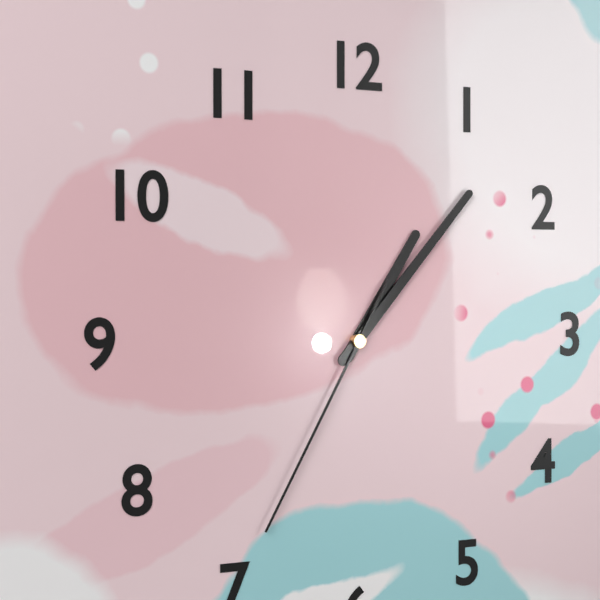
1:07:35
